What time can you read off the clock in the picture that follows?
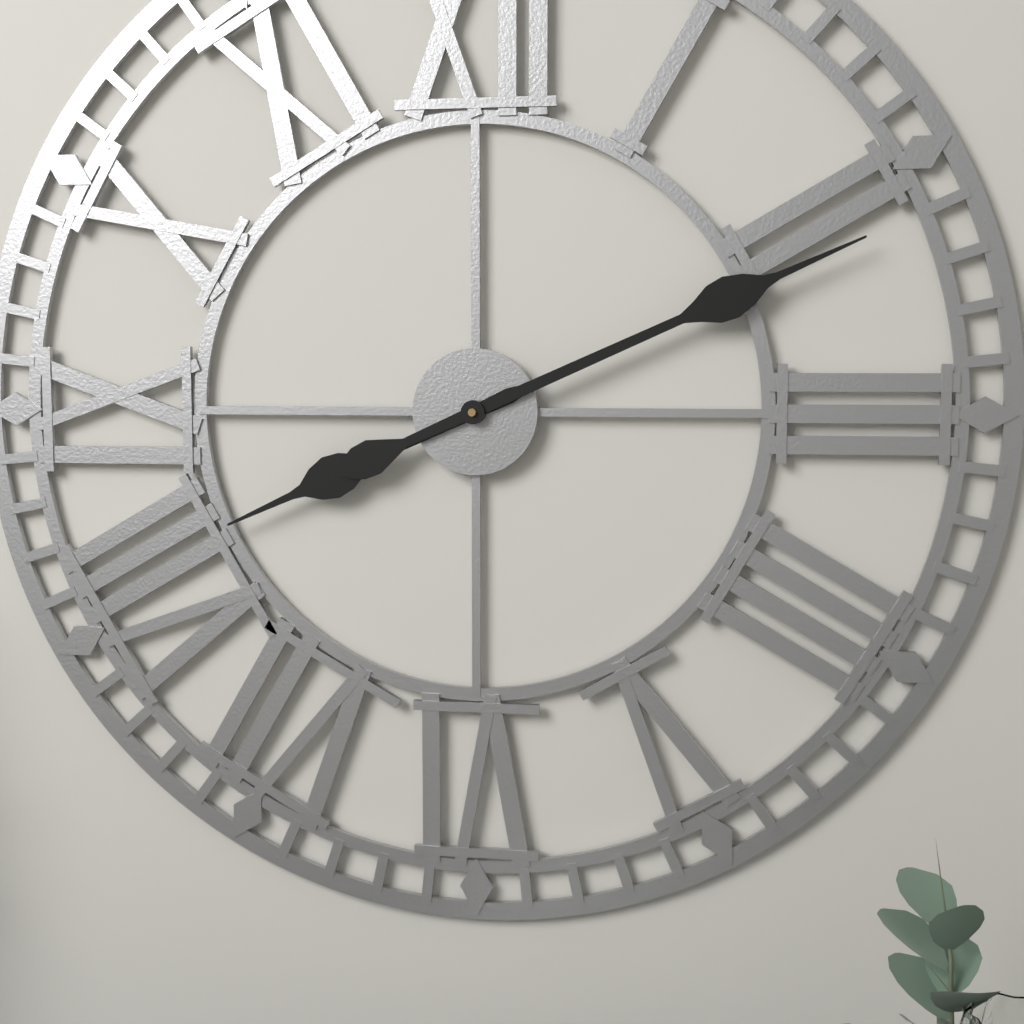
8:11
